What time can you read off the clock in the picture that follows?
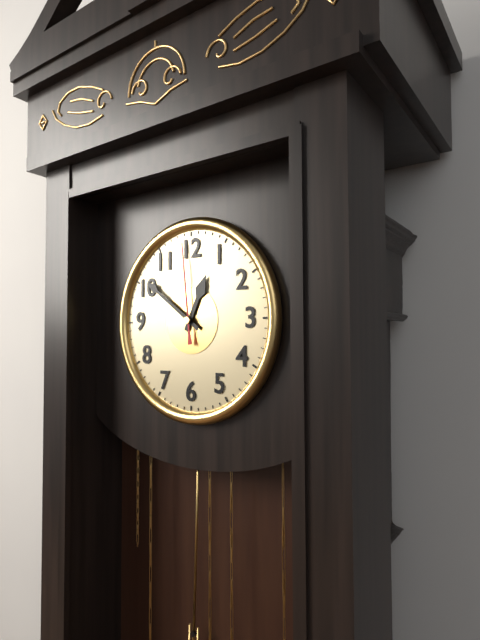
12:51:59
